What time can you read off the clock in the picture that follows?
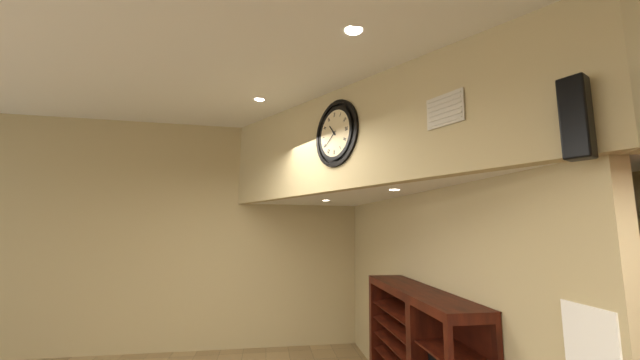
10:39
